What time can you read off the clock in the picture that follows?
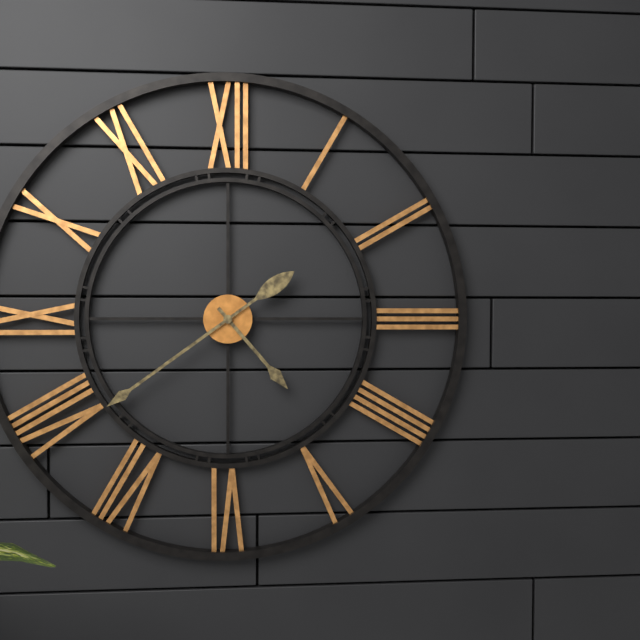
4:39
